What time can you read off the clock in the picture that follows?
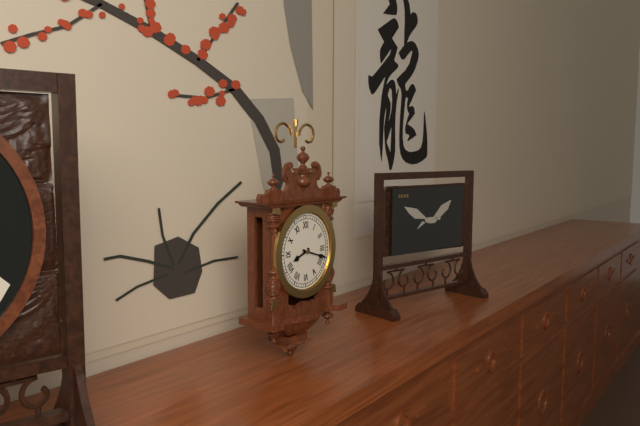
8:18
